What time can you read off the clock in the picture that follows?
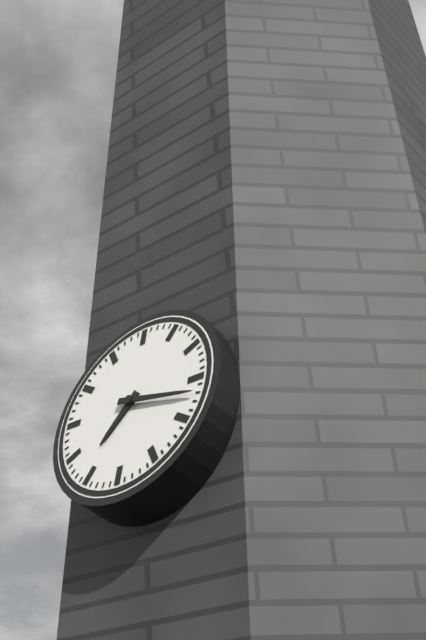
7:17
